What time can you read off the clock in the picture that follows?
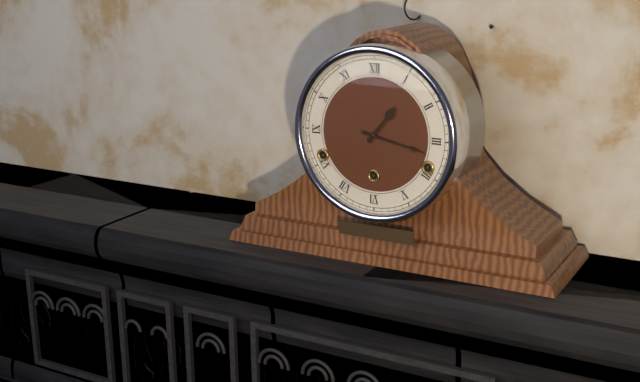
1:17
